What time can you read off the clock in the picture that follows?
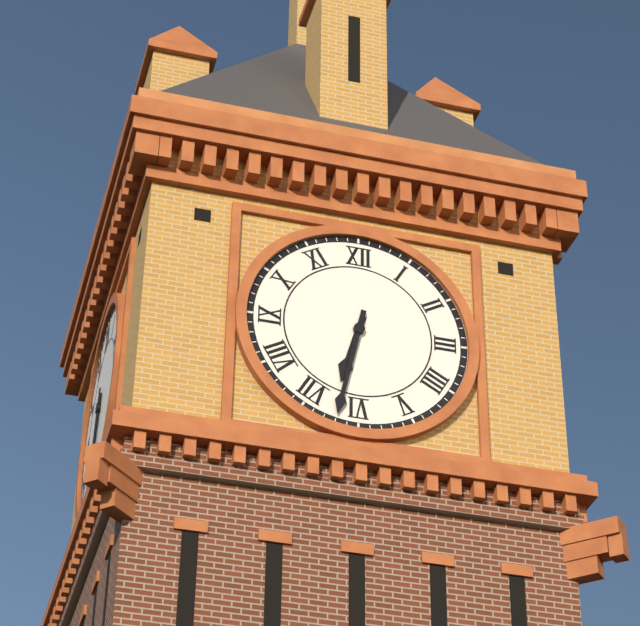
6:32
